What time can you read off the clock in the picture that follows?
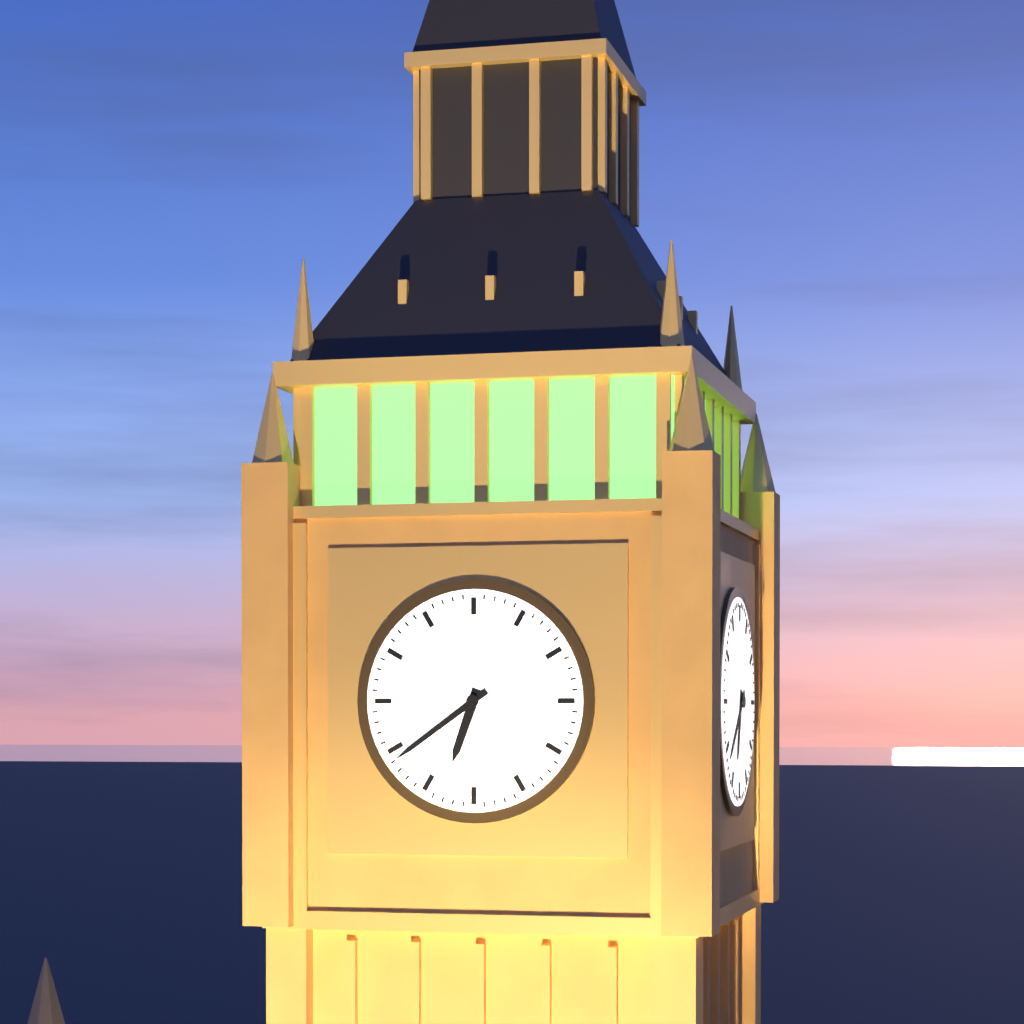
6:39
